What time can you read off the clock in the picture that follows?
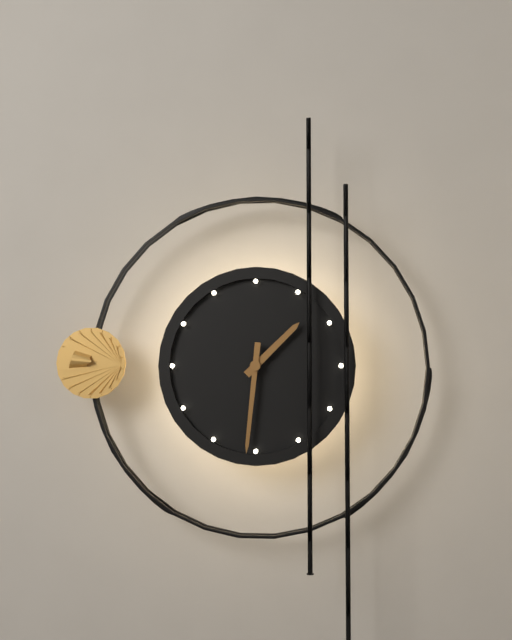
1:31
